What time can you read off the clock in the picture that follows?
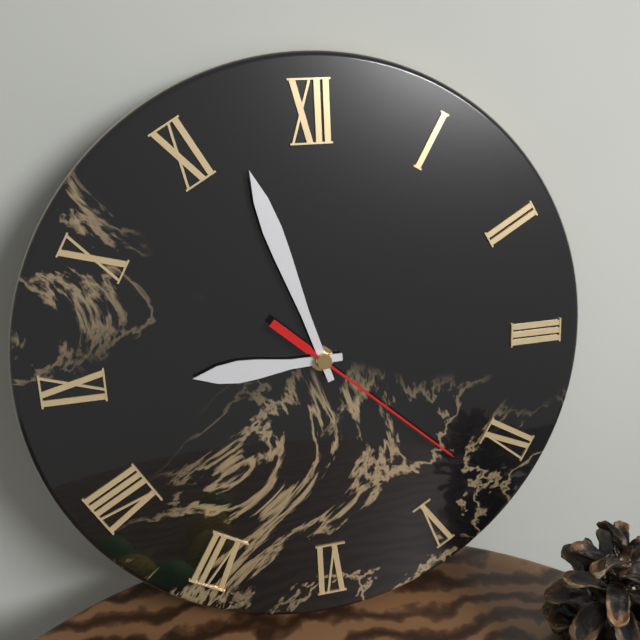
8:57:22
